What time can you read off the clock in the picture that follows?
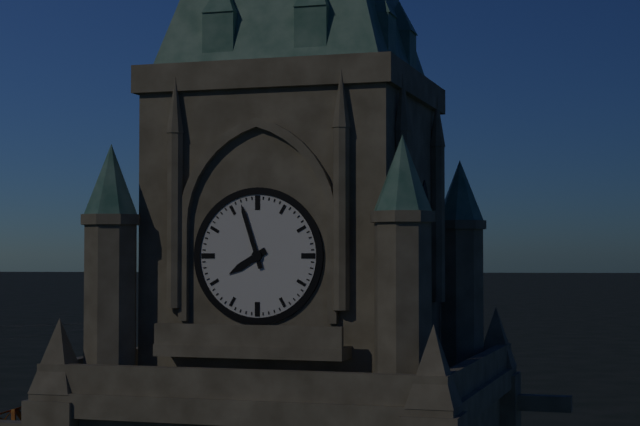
7:57
